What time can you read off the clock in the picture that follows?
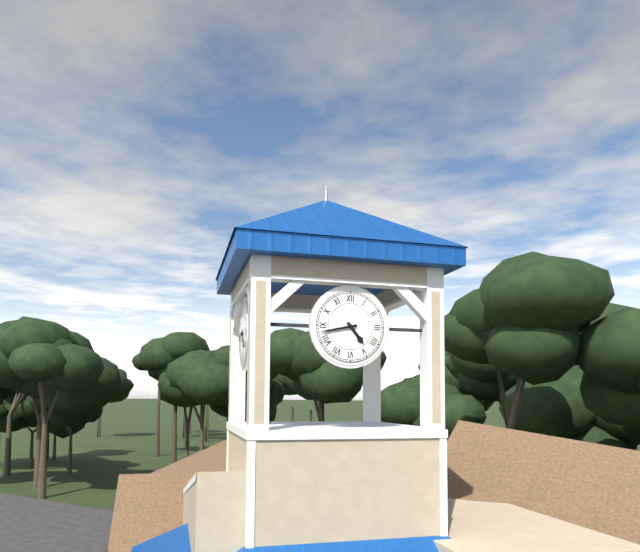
4:43
